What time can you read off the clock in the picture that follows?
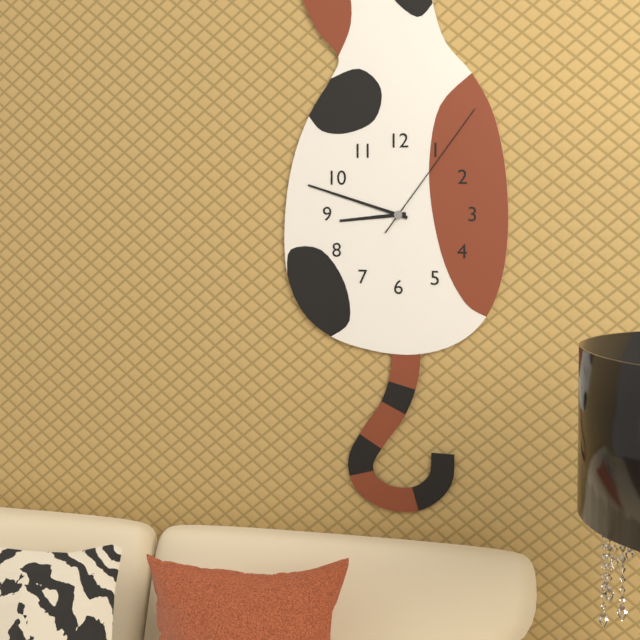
8:48:06
